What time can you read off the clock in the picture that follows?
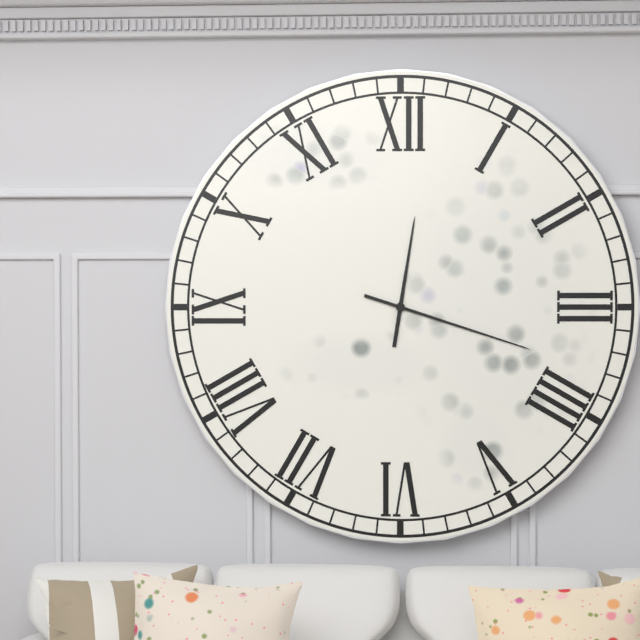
12:18
